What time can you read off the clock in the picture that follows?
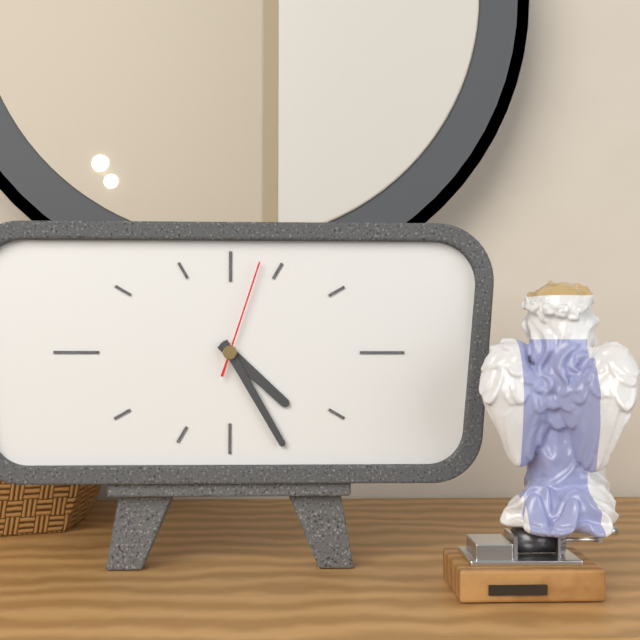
4:25:03
